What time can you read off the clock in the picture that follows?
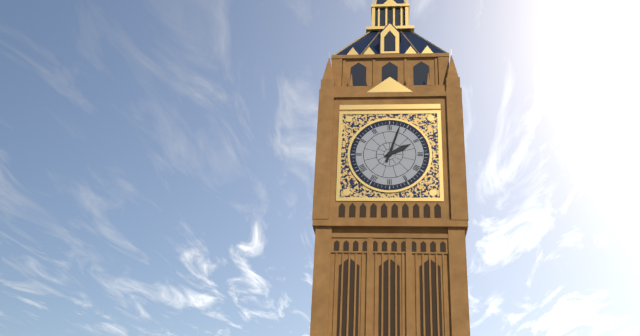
2:03
